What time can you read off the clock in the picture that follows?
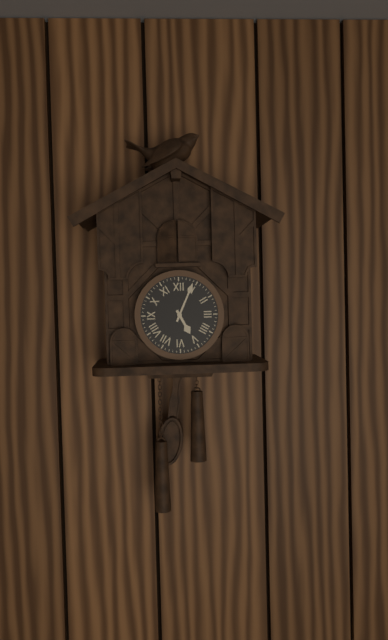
5:04
